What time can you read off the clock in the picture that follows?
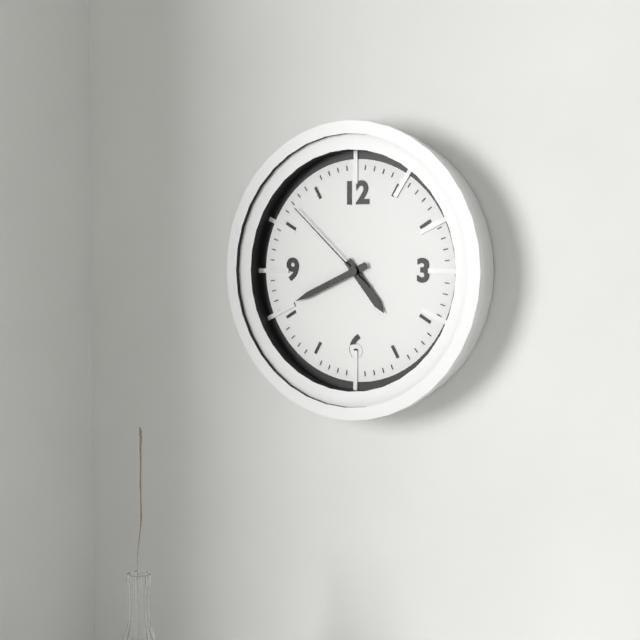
4:41:52
